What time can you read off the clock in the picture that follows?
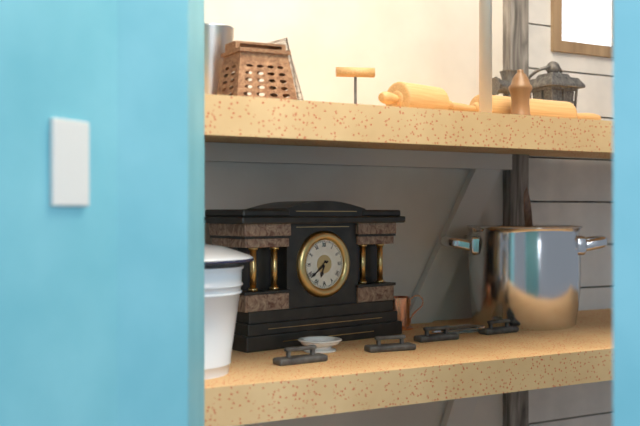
6:39
